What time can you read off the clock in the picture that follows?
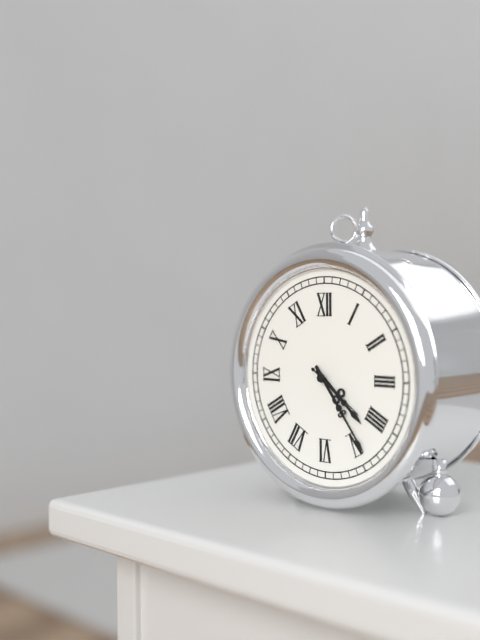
4:24:21
